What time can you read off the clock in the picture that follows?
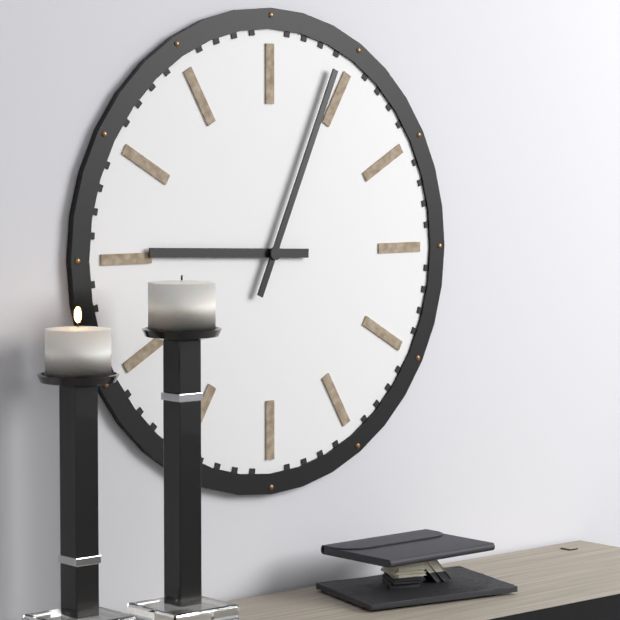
9:04
